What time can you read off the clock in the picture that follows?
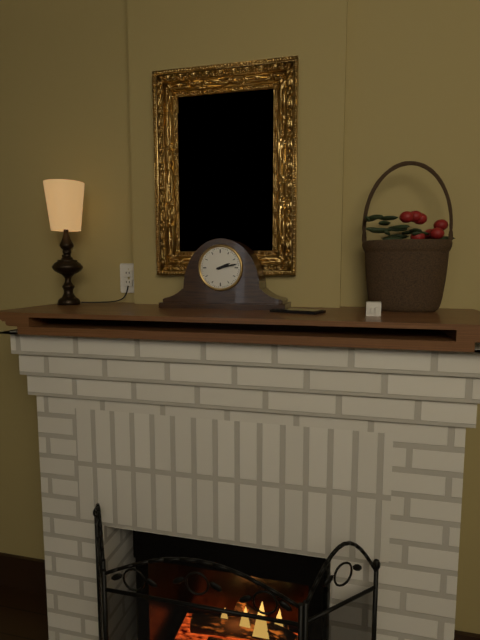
2:13
